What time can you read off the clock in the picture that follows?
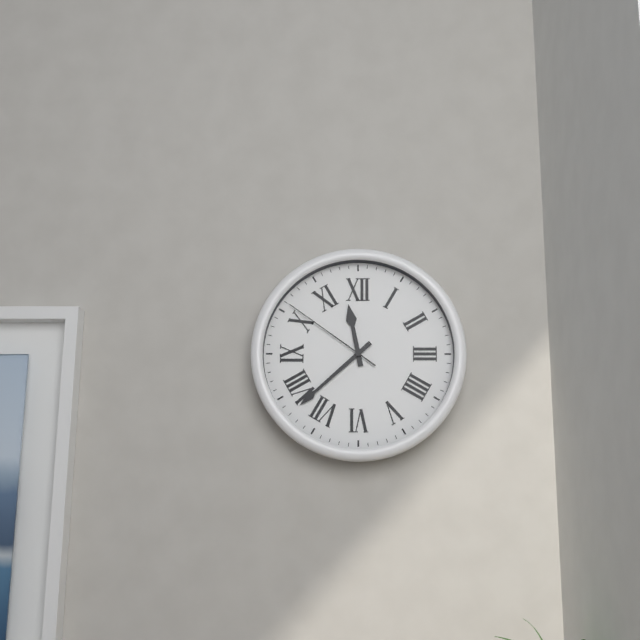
11:38:51
